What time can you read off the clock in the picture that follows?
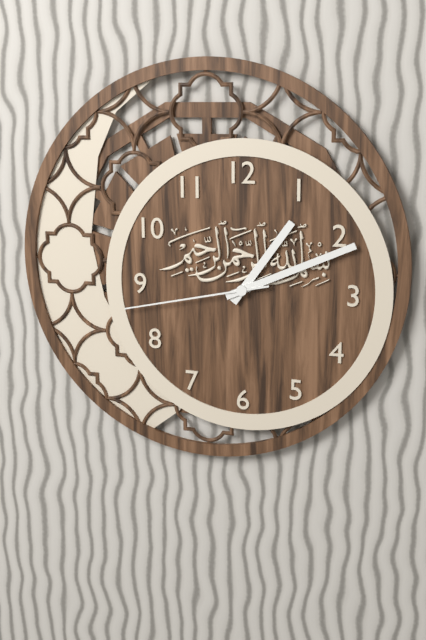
1:11:43
